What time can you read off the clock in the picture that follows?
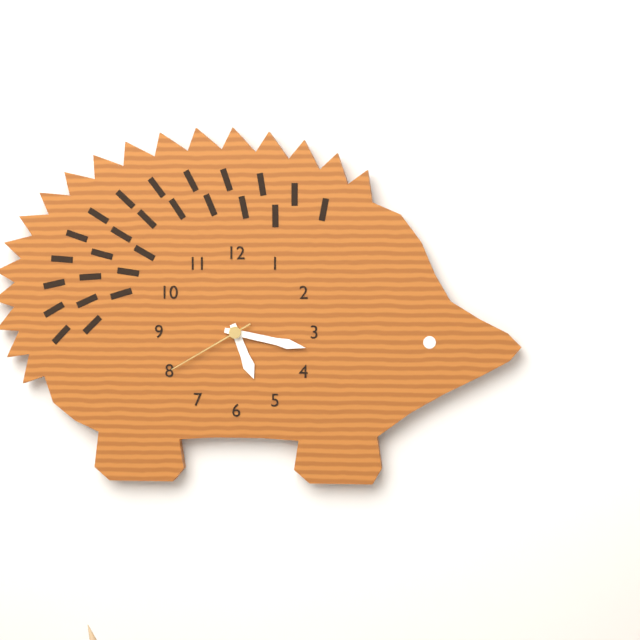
5:17:40
